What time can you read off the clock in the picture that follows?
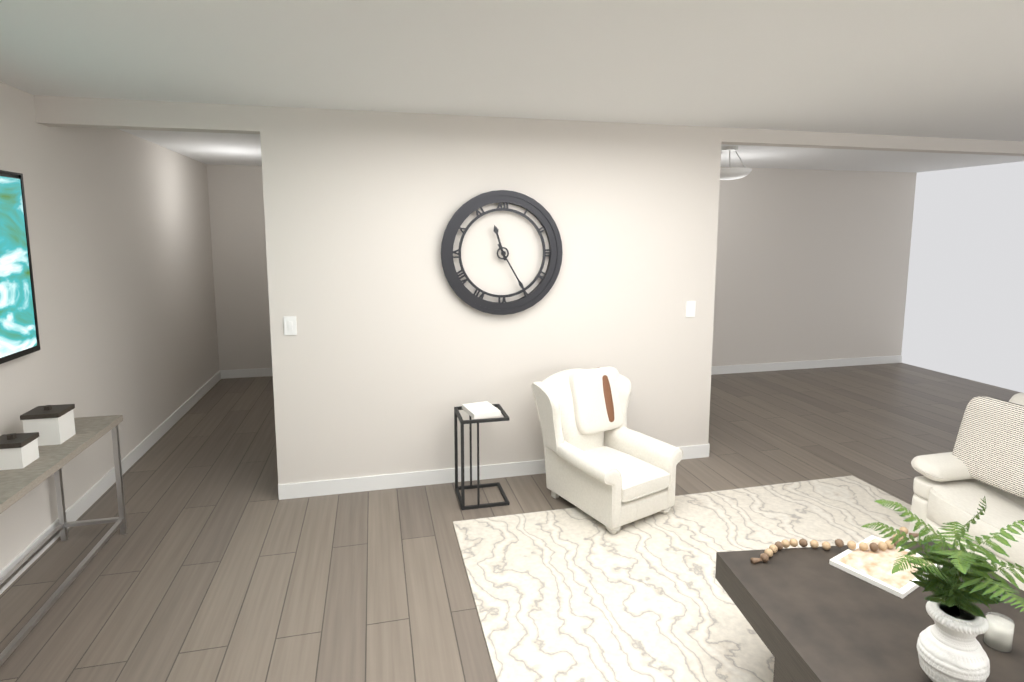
11:25
